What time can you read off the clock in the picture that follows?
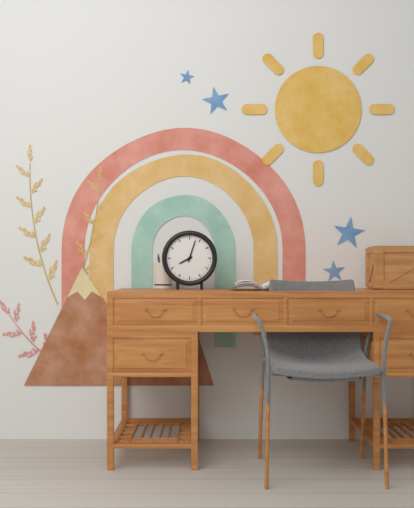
8:03
